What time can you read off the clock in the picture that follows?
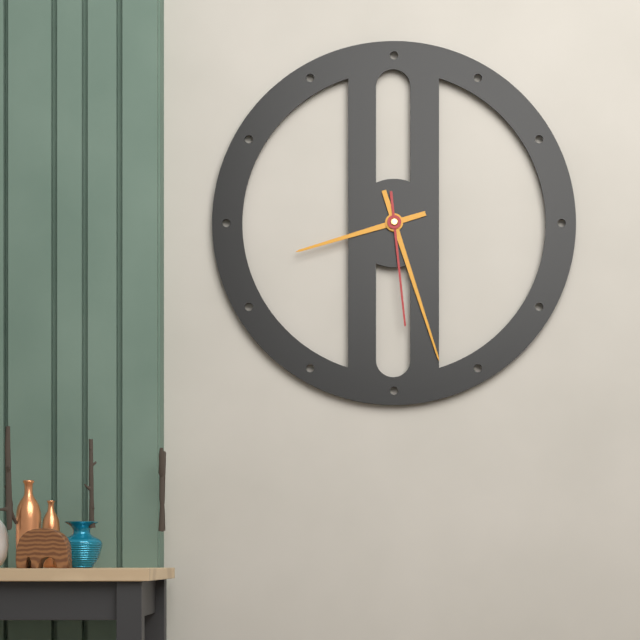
8:27:29
